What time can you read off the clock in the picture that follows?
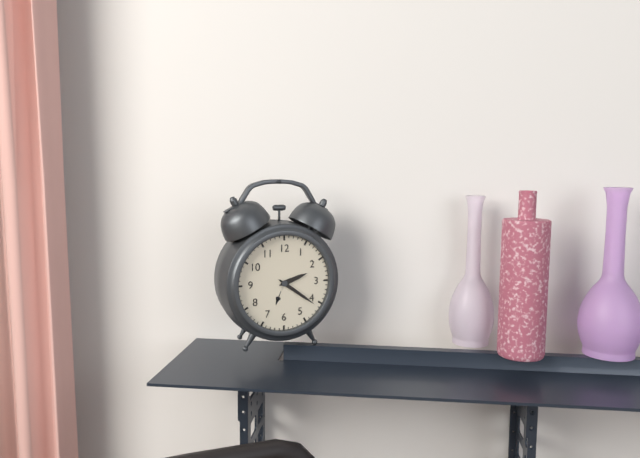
2:21
